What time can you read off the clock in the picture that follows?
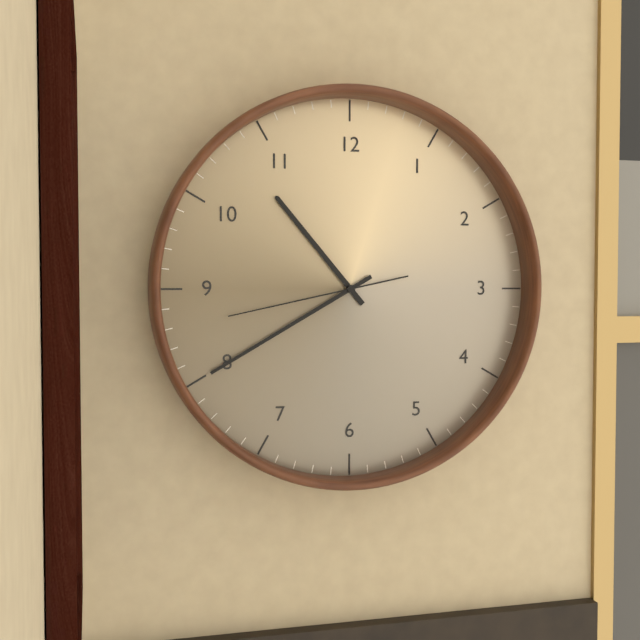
10:40:43
